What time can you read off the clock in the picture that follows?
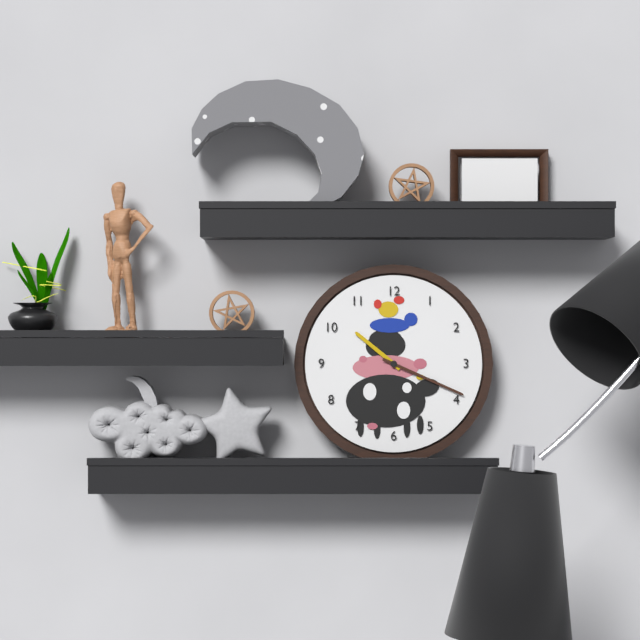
10:19
